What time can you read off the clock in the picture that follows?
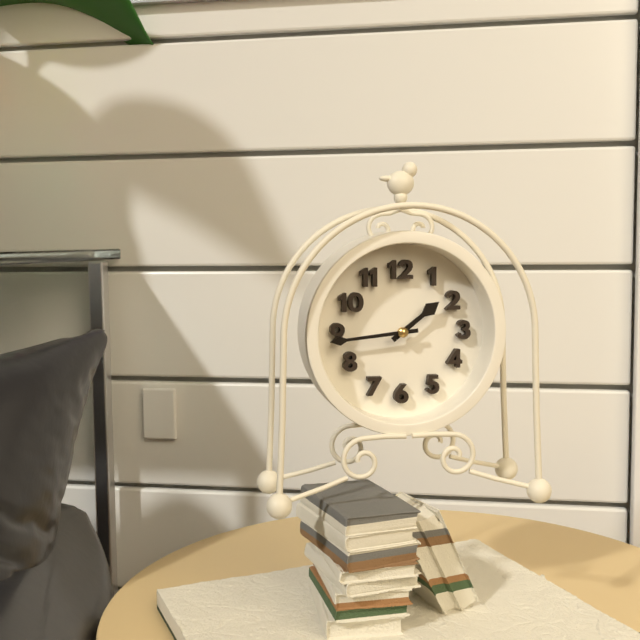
1:44
